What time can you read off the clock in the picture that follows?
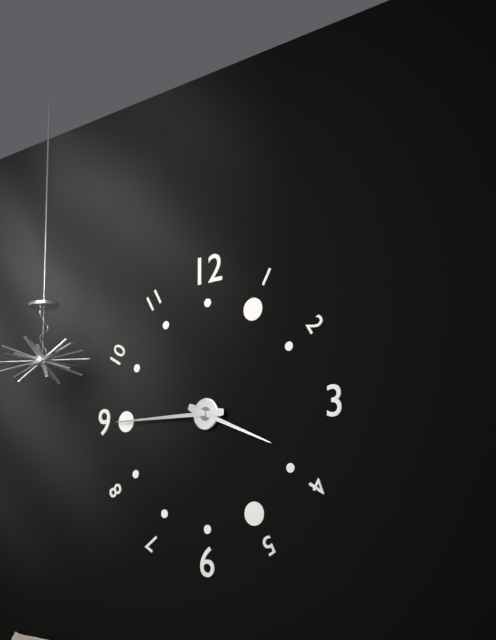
3:45
